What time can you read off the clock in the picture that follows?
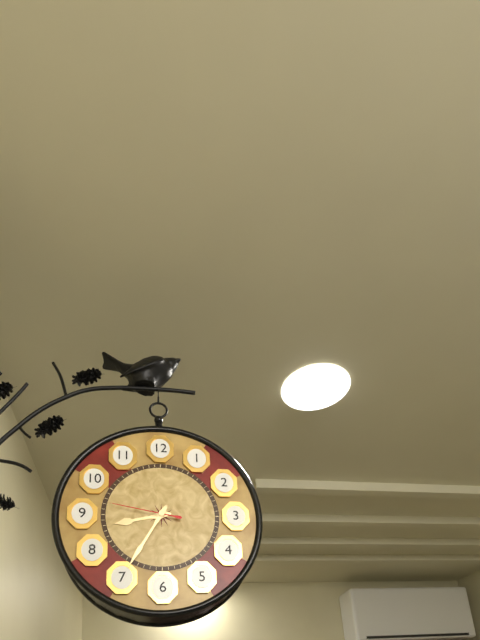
8:35:47
